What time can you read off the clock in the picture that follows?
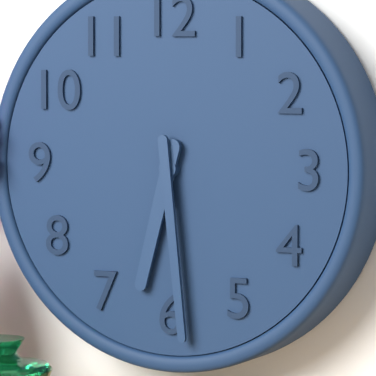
6:29
